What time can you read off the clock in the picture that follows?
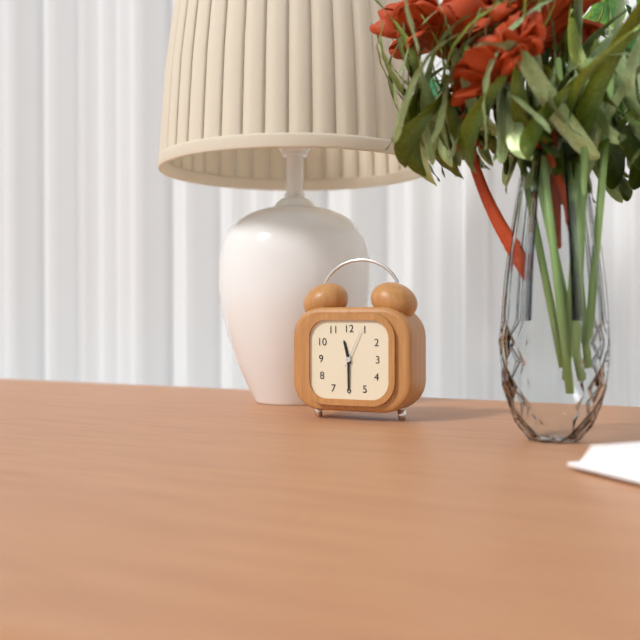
11:30
